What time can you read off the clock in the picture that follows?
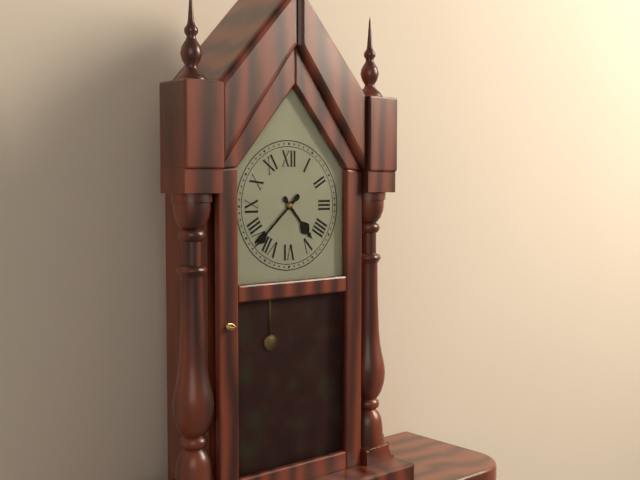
4:38
